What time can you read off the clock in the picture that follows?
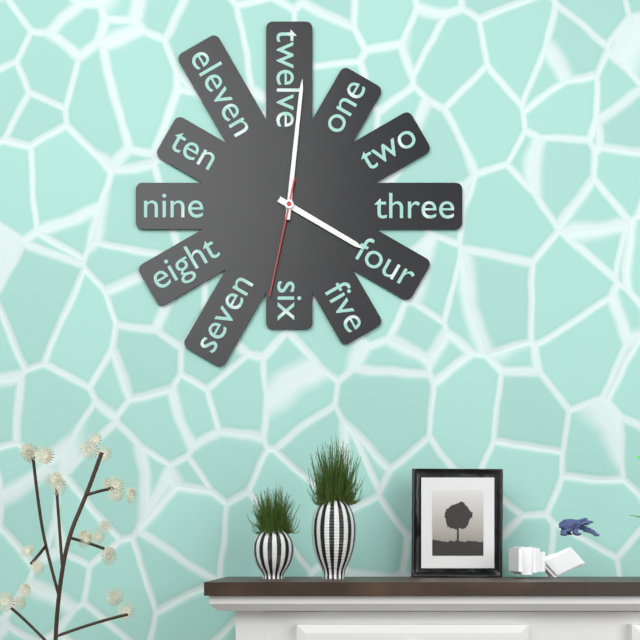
4:01:32
